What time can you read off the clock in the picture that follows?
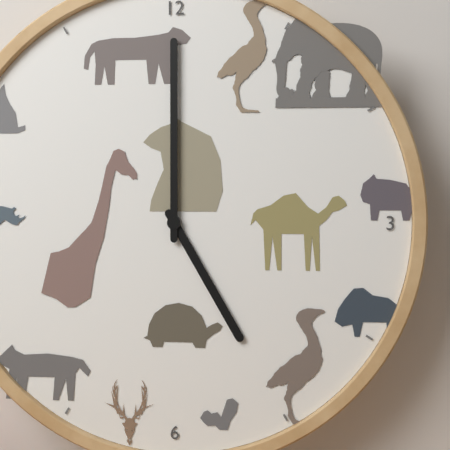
5:00
